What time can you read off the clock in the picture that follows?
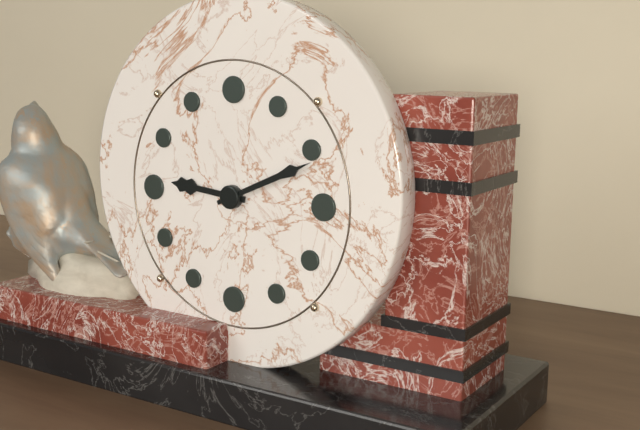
9:11
